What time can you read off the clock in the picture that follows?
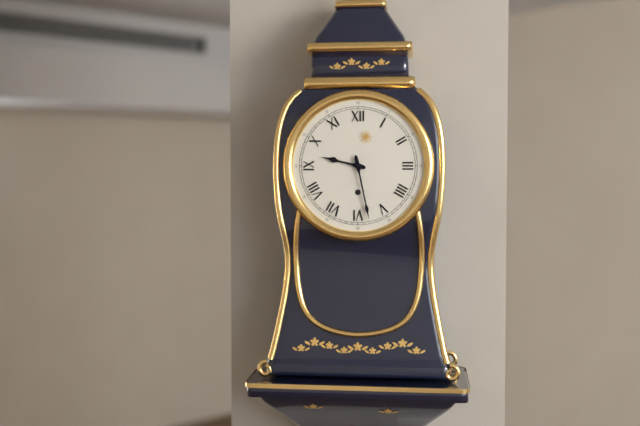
9:28
